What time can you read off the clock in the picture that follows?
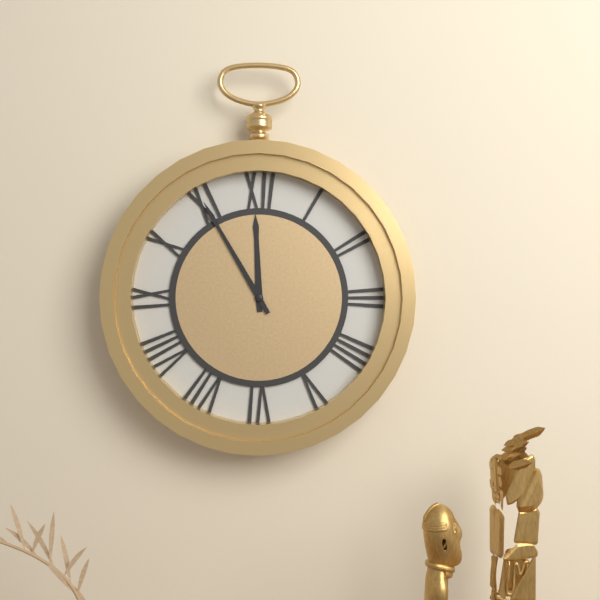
11:55
